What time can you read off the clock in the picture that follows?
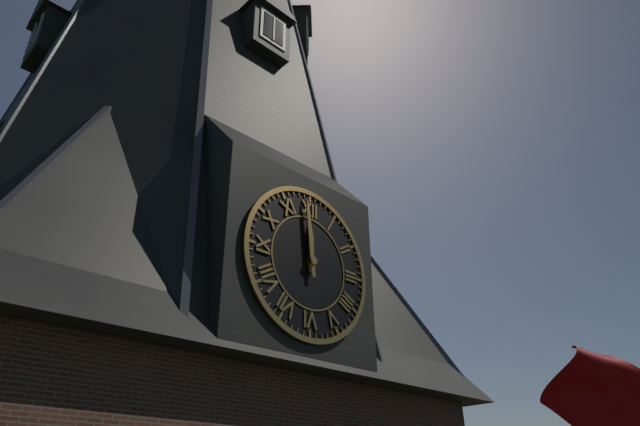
11:59
